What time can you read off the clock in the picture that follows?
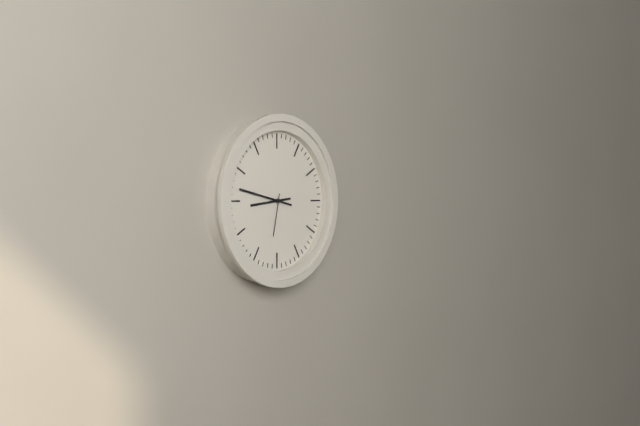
8:47
